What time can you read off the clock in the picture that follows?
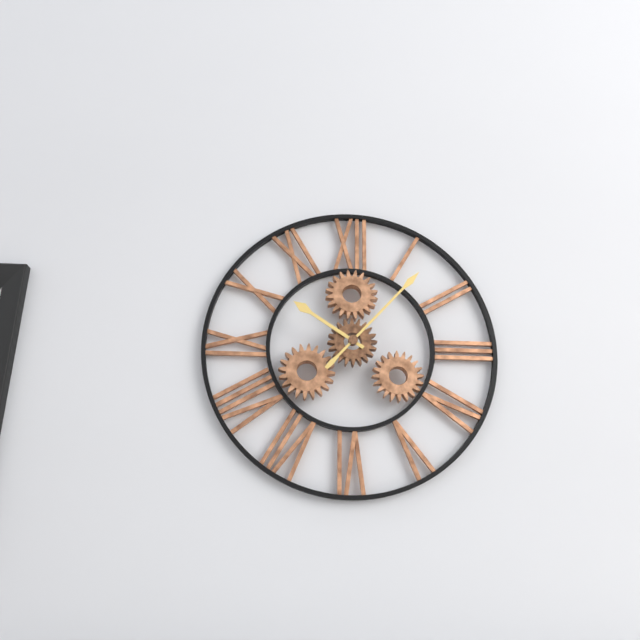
10:07
